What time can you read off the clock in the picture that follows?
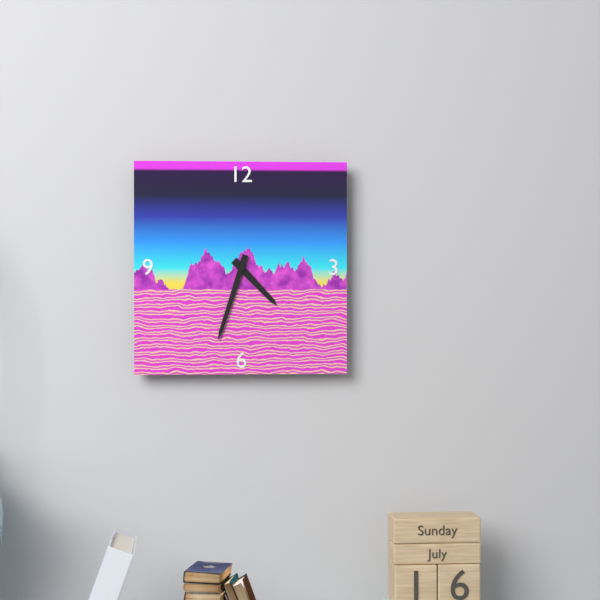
4:33
